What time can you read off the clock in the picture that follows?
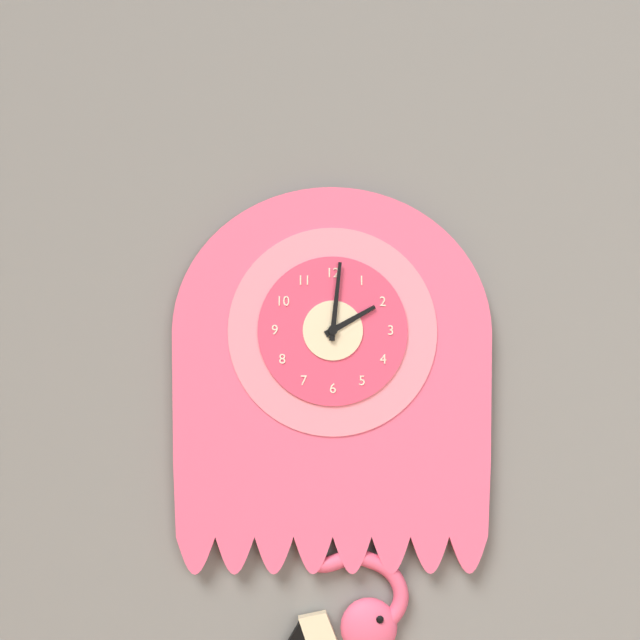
2:01
